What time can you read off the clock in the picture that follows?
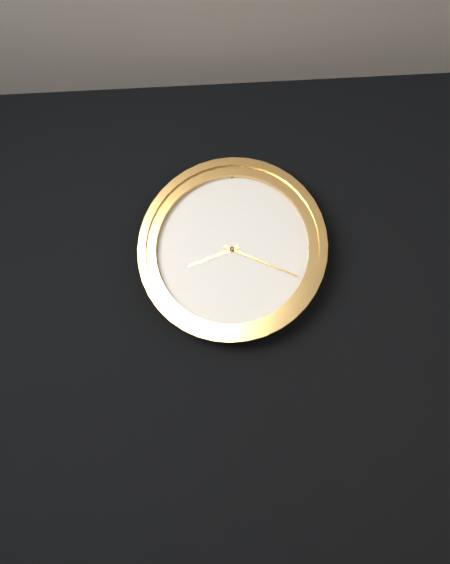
8:19
